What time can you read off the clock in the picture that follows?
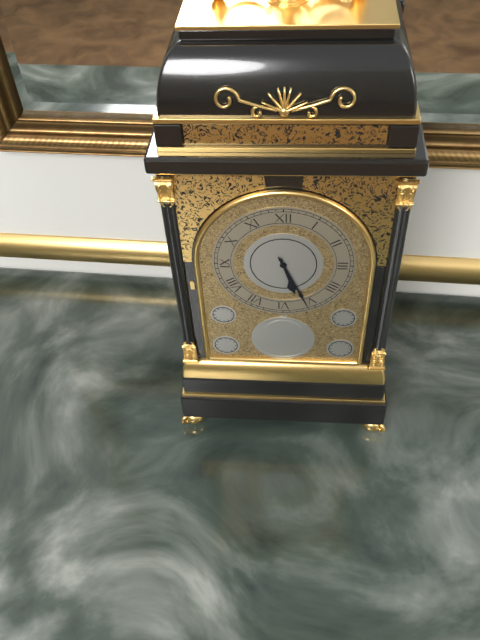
5:26
